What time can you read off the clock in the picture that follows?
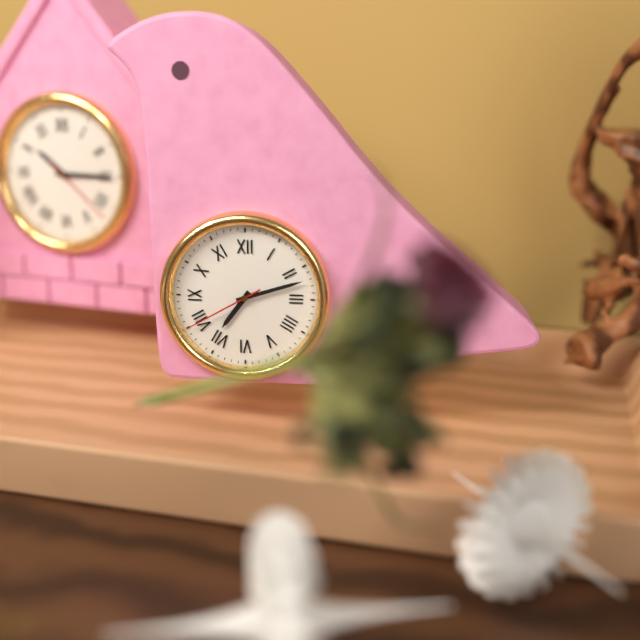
7:12:40
